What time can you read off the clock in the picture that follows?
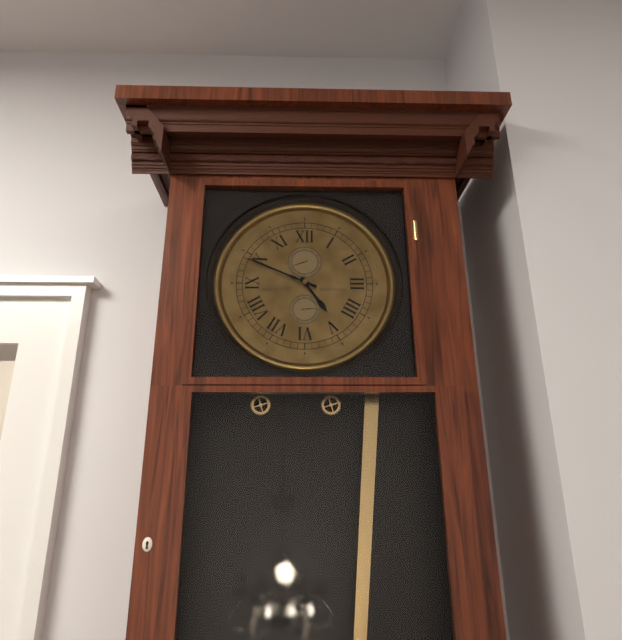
4:49
